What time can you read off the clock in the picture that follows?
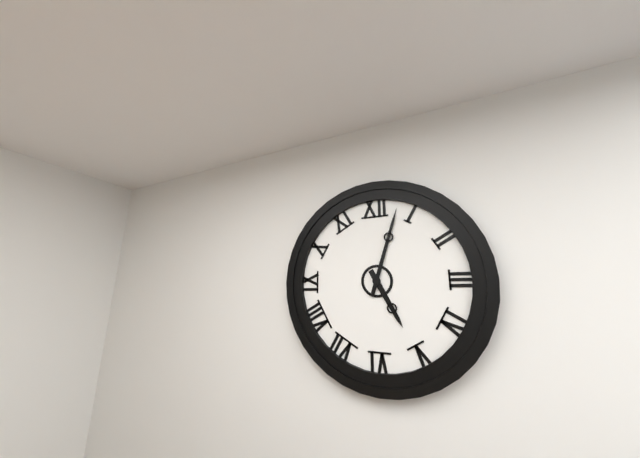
5:03
